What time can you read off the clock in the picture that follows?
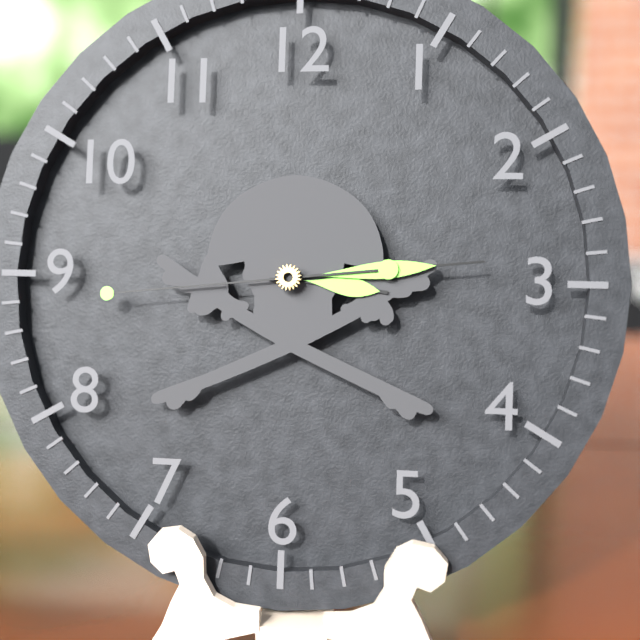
3:14:44
